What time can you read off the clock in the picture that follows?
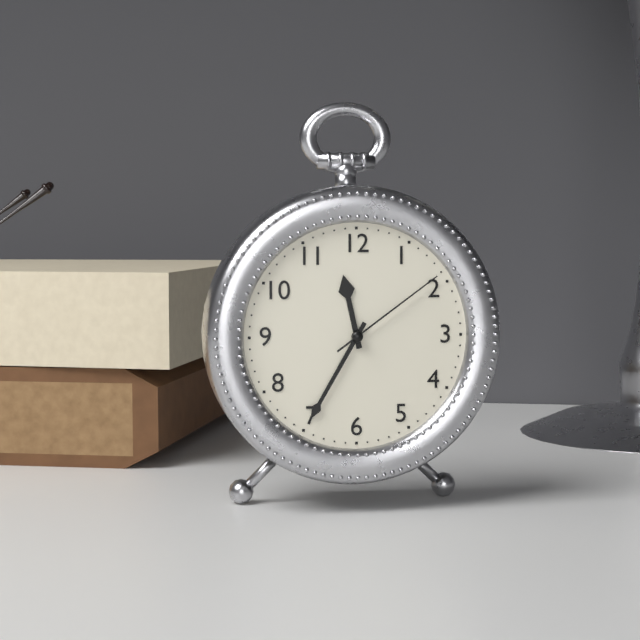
11:35:09
